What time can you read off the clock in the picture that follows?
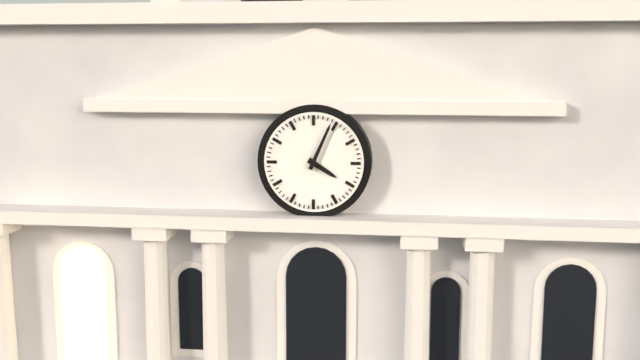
4:04
